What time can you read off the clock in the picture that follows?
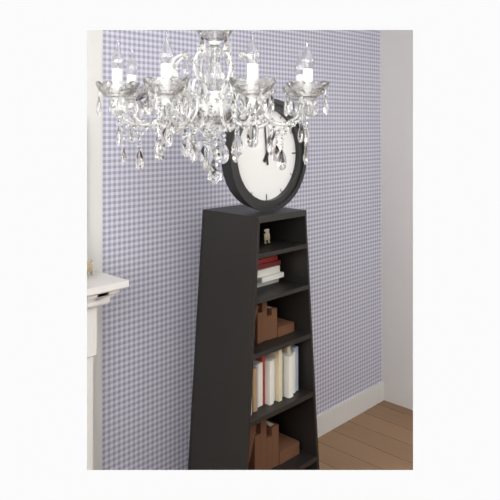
12:59
